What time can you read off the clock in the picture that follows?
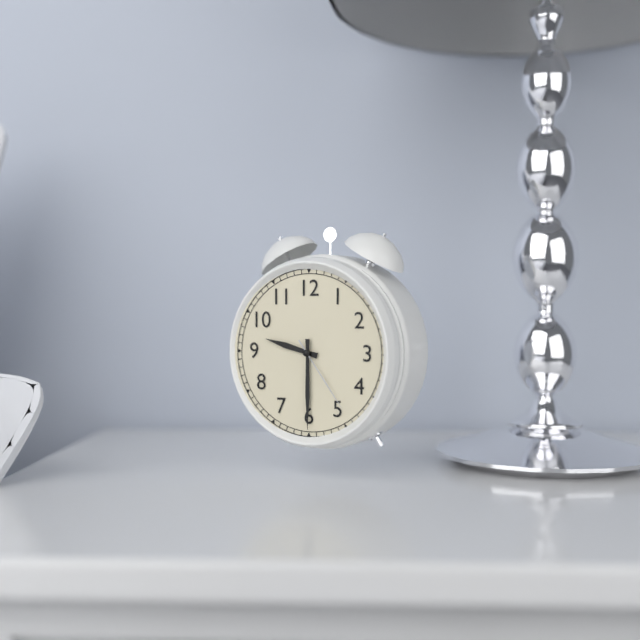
9:30:24
